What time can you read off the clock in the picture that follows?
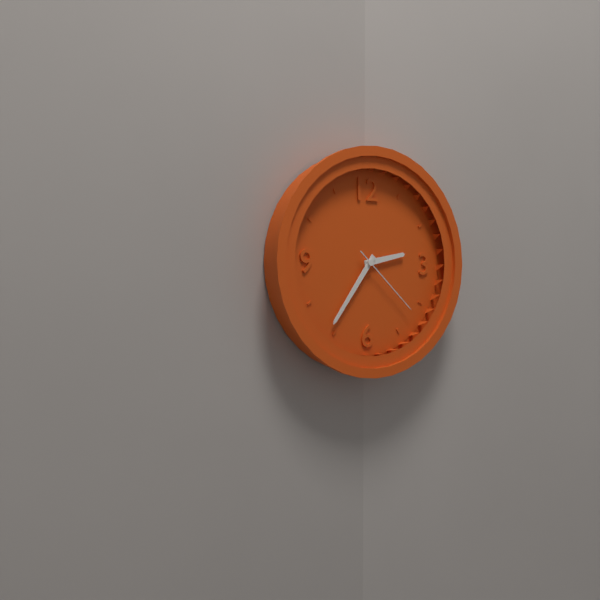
2:36:22
